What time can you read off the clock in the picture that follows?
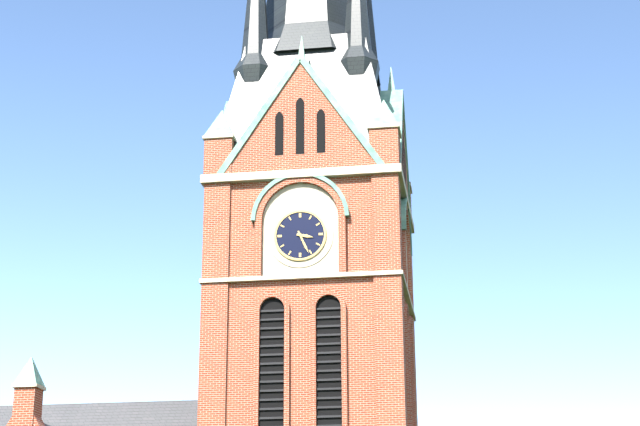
3:26
